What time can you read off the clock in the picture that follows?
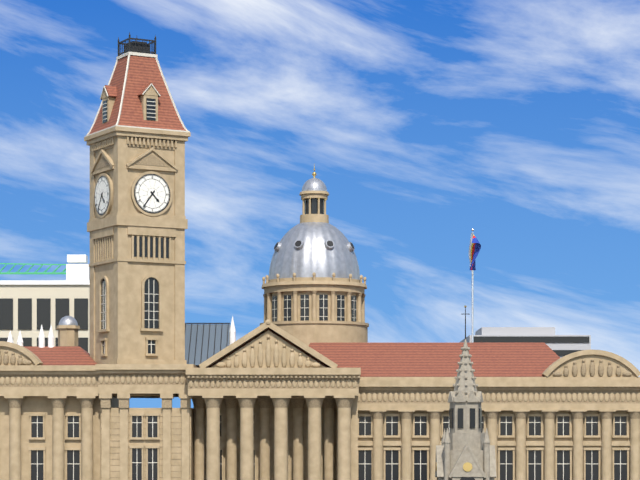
4:36
